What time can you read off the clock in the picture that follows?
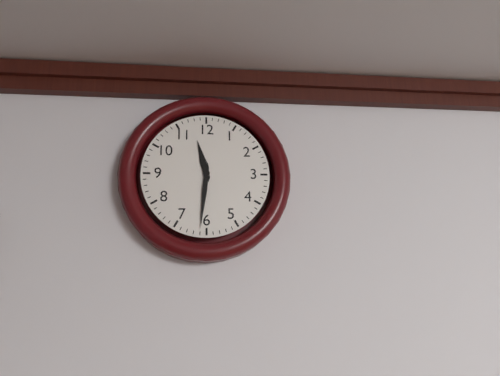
11:31
